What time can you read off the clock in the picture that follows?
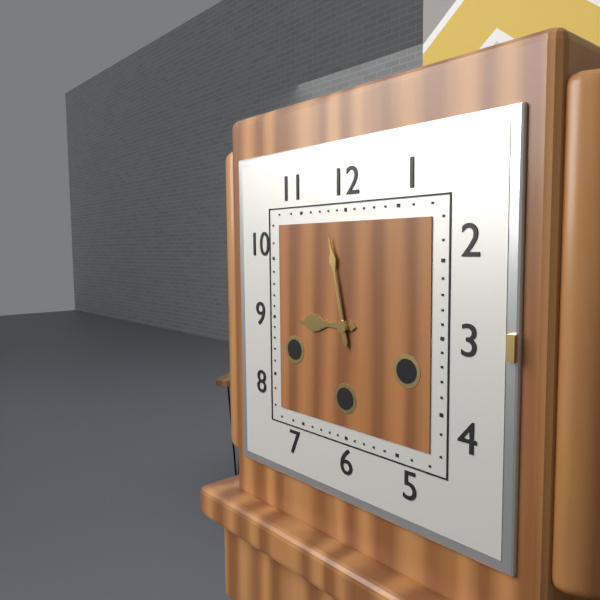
8:58
